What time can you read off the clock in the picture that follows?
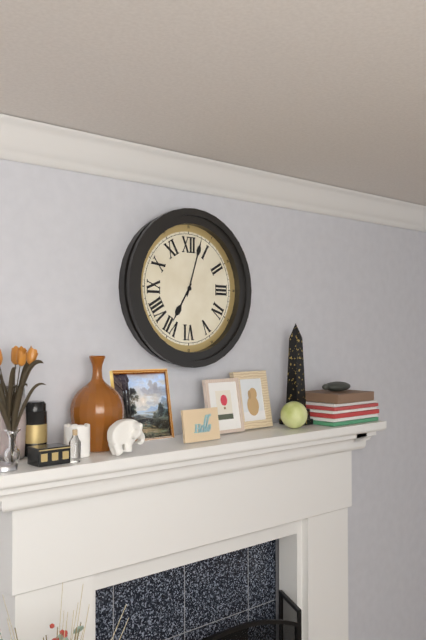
7:03
